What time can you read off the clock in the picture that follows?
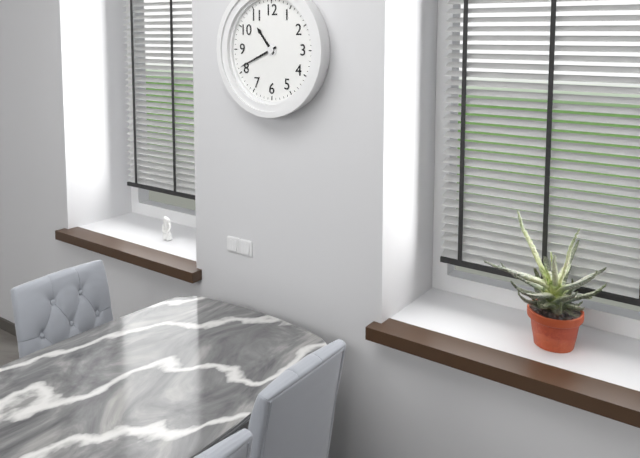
10:41
